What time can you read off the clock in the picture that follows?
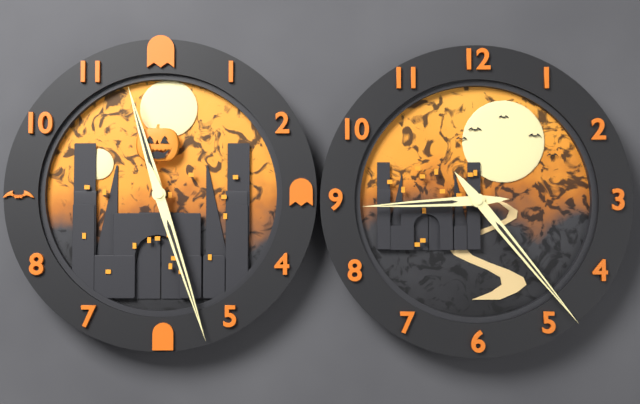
11:27
